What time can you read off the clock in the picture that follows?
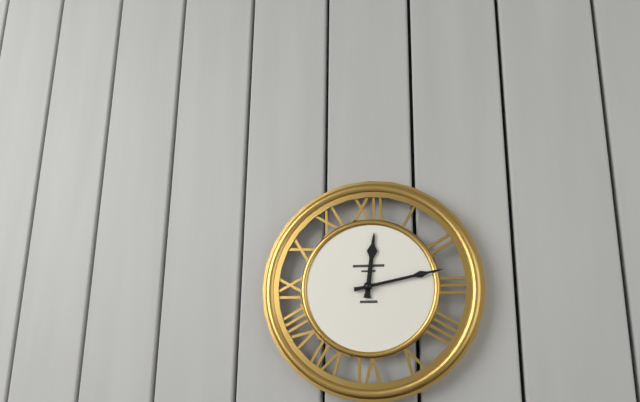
12:13
